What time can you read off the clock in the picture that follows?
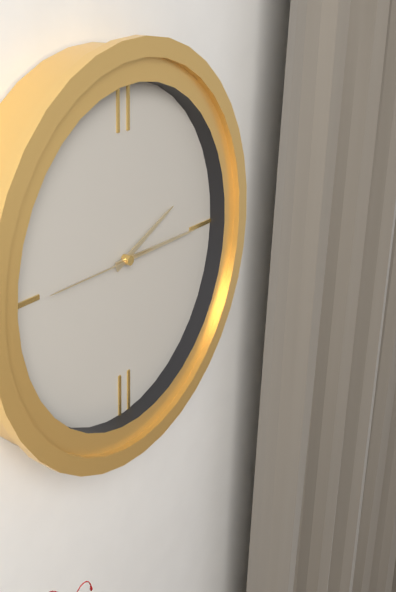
2:15:45
